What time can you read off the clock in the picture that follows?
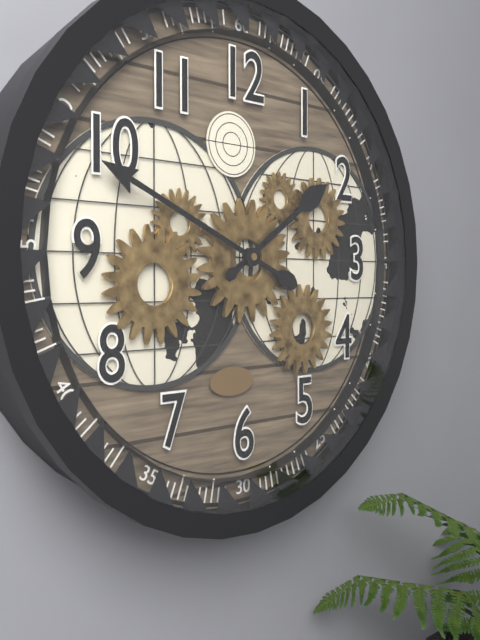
1:49
